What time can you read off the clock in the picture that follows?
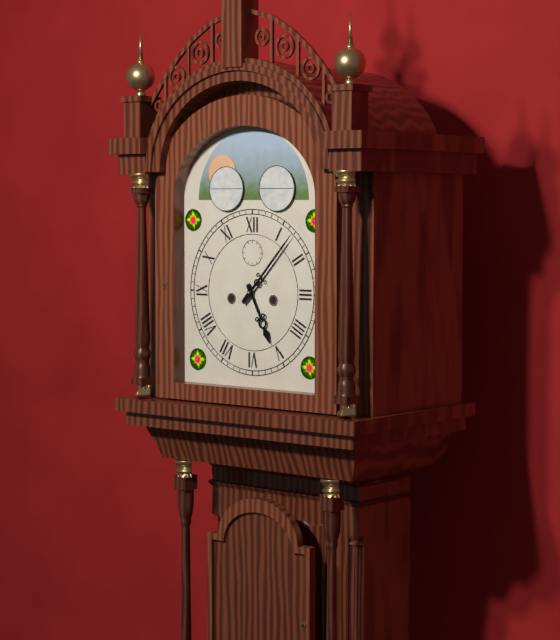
5:07
